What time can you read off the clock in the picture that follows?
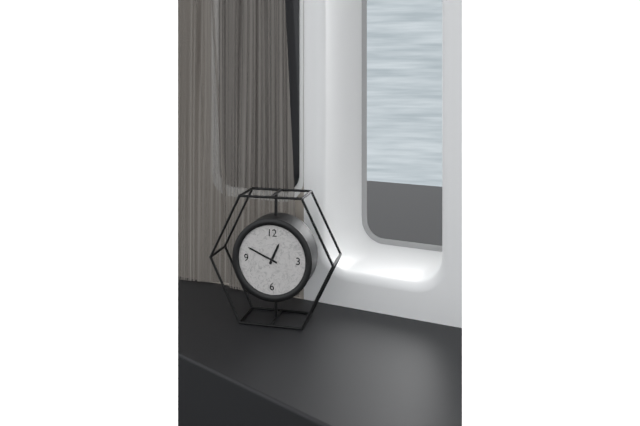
12:49
